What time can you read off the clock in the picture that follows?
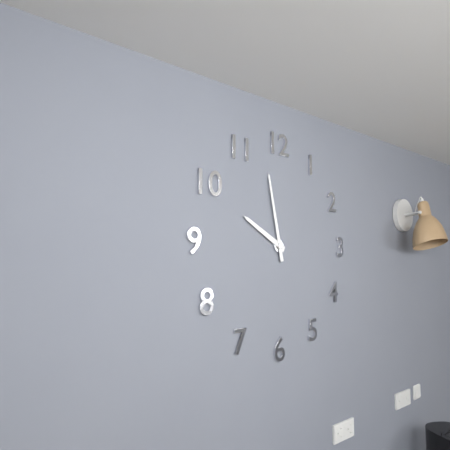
9:58
